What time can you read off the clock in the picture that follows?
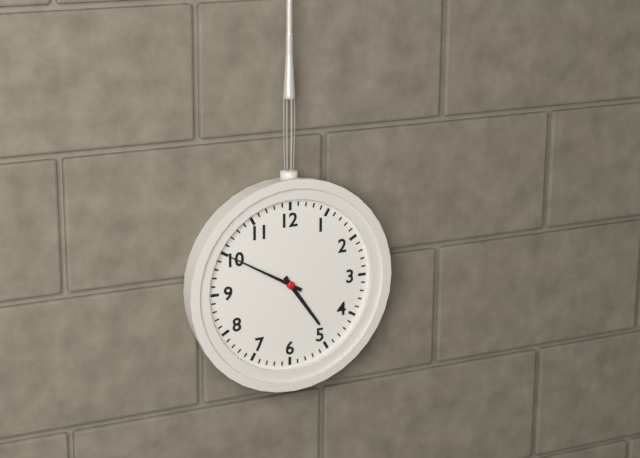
4:50
